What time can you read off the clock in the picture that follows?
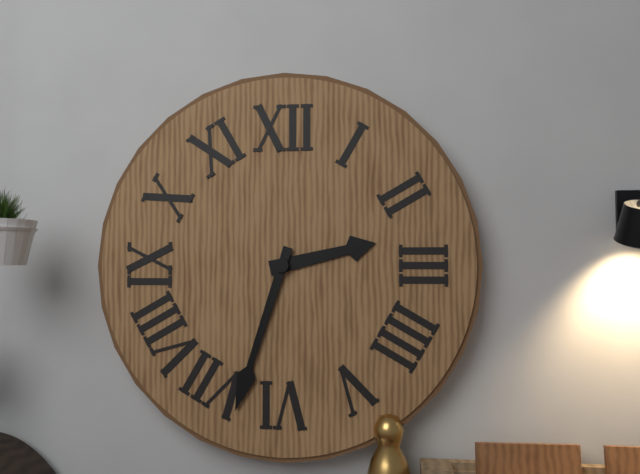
2:33
